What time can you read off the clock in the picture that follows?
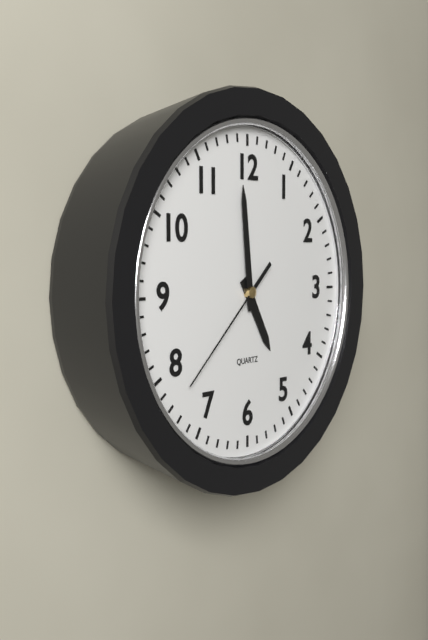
4:59:38
